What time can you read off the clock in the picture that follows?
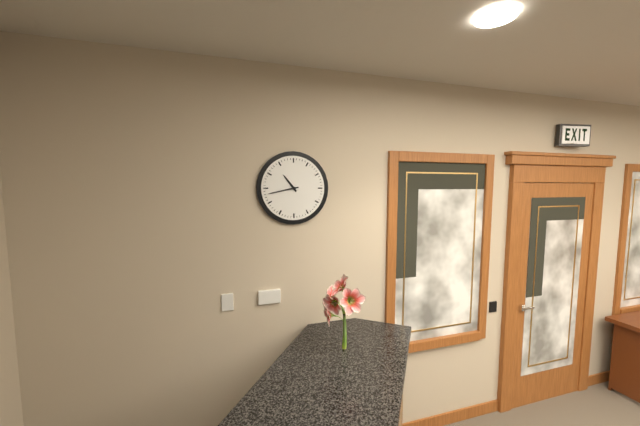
10:43
